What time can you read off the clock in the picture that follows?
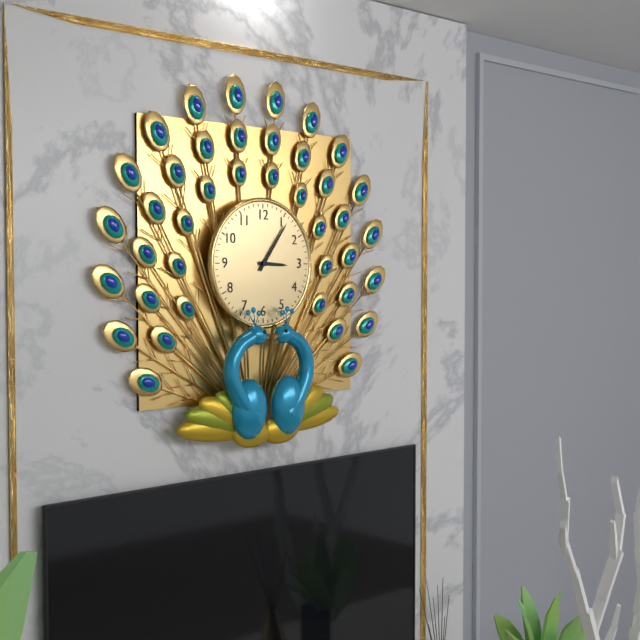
3:06
